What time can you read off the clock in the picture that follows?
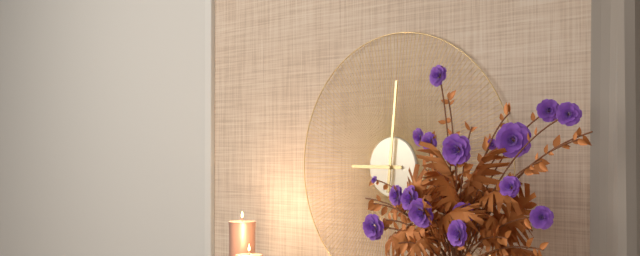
9:01
